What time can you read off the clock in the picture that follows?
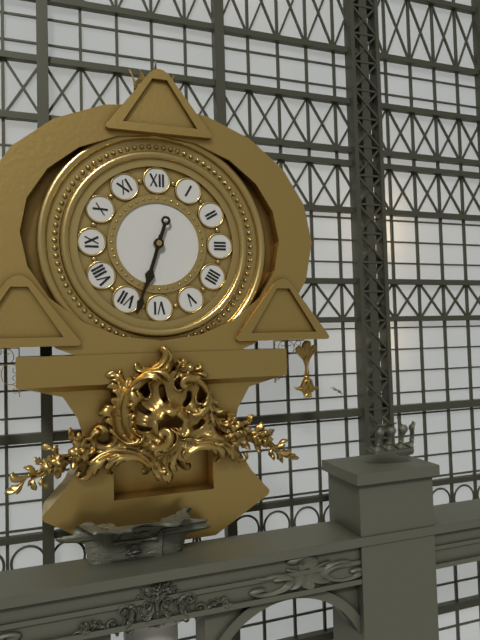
6:33
